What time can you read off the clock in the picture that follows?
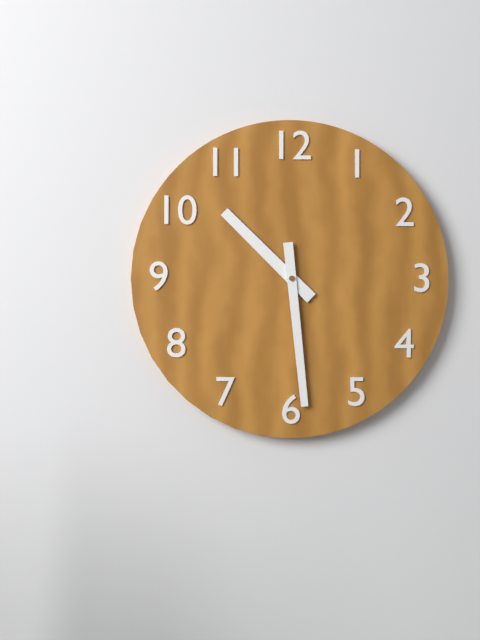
10:29
